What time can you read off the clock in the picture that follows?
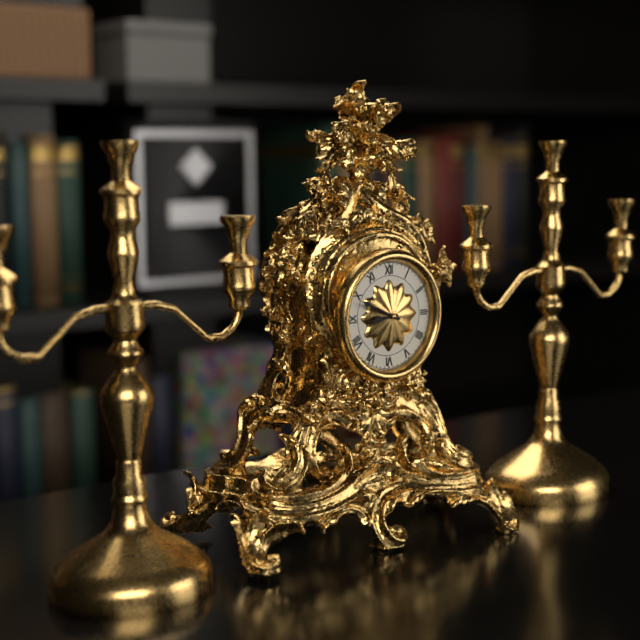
8:49
